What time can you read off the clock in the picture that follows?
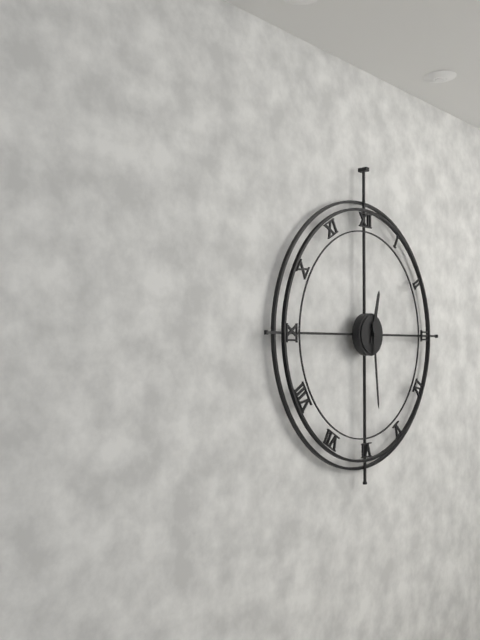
12:29
